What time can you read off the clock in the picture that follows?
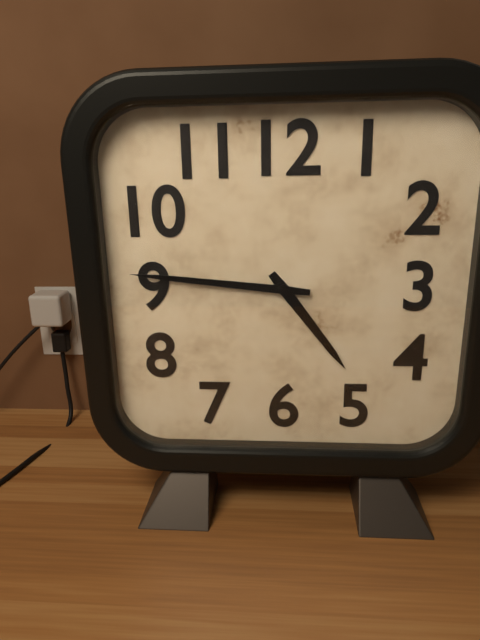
4:46
